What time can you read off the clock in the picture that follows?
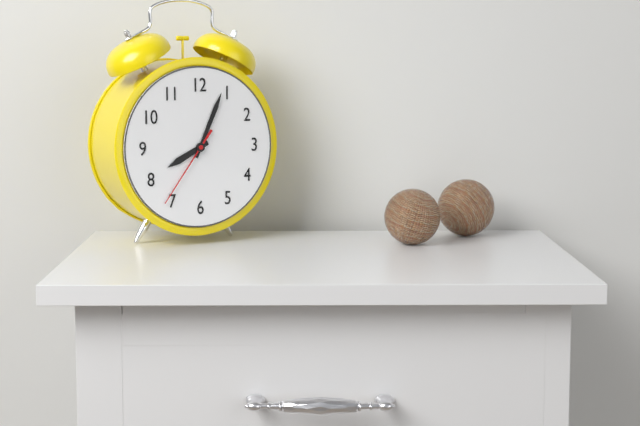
8:04:36
